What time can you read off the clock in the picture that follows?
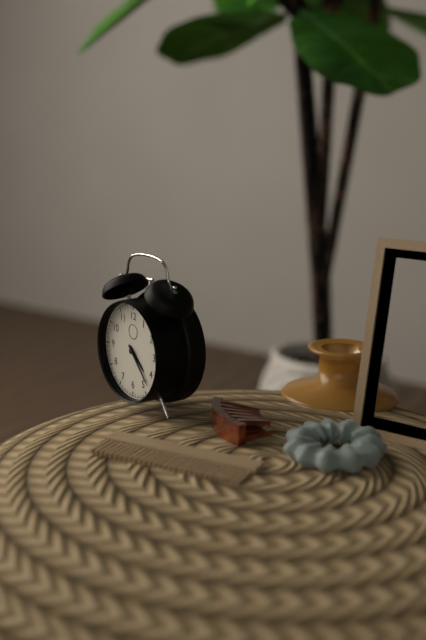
4:23
